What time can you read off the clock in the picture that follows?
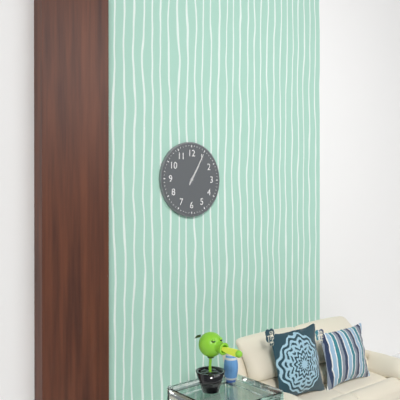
1:05
